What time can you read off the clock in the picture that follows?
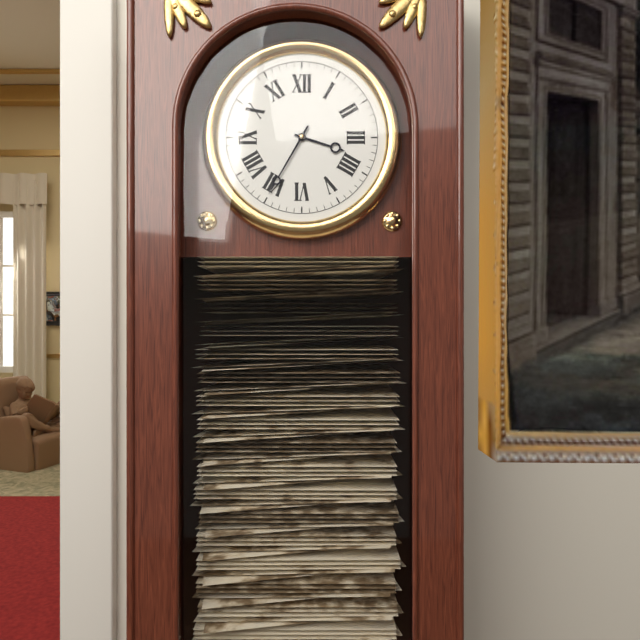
3:35
